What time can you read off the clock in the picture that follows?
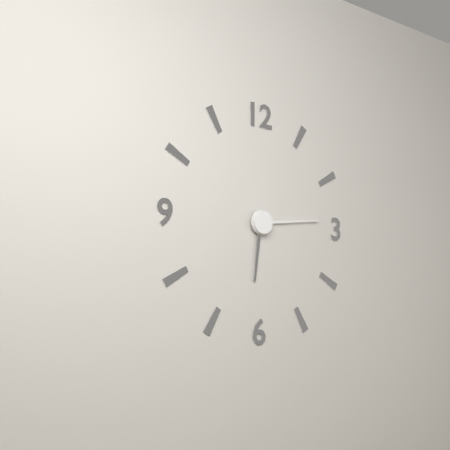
6:14
